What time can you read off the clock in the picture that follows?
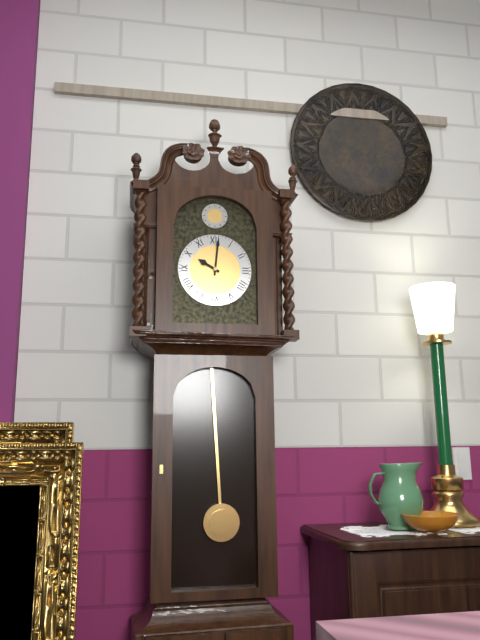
10:01
